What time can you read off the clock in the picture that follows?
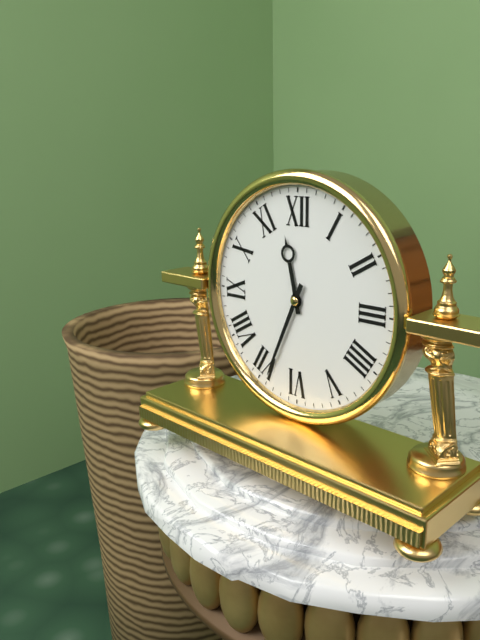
11:34
